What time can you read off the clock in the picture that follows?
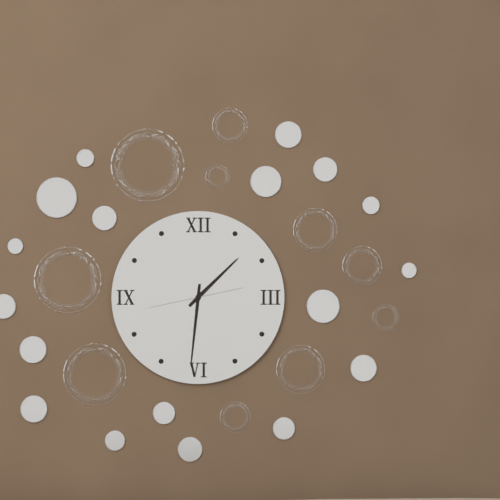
1:31:43
